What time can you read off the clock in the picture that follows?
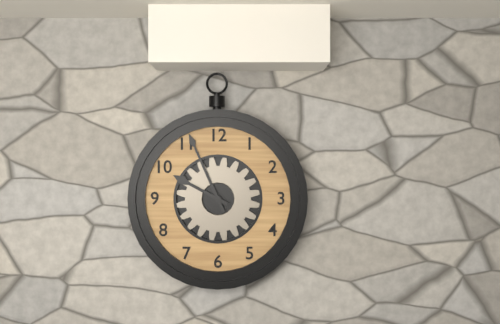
9:56
